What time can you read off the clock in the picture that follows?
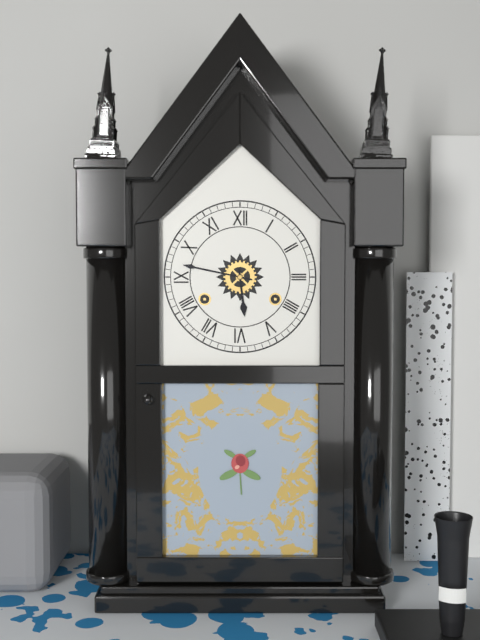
5:47
